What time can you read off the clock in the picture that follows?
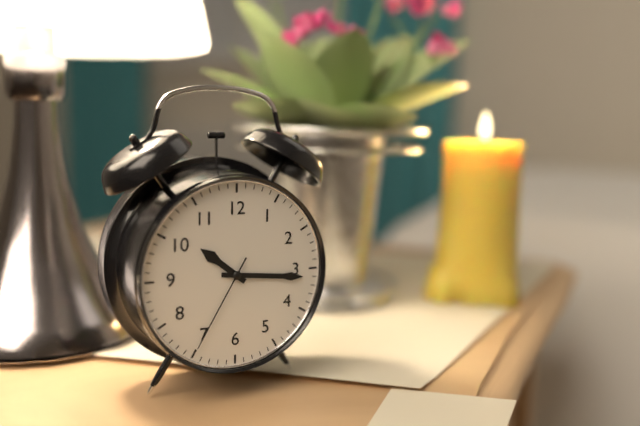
10:16:35
